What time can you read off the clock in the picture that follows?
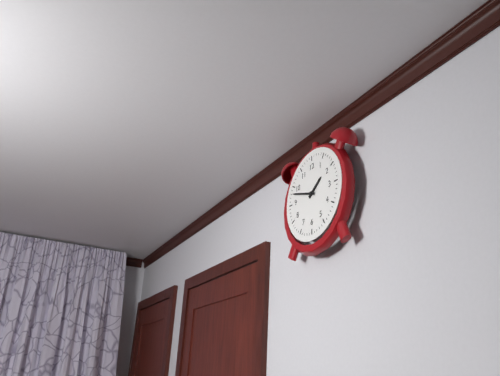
1:48
